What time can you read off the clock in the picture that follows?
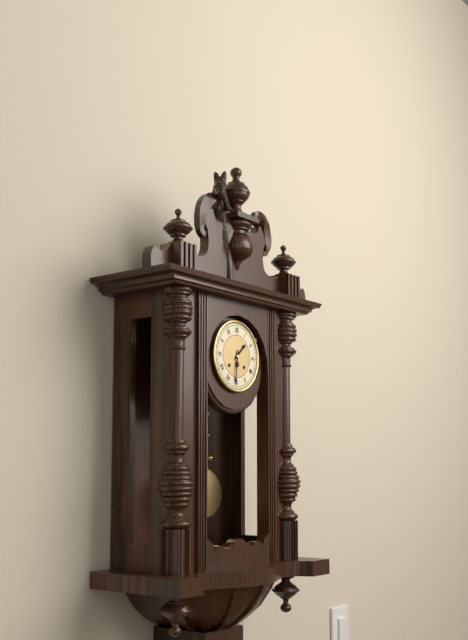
1:31
